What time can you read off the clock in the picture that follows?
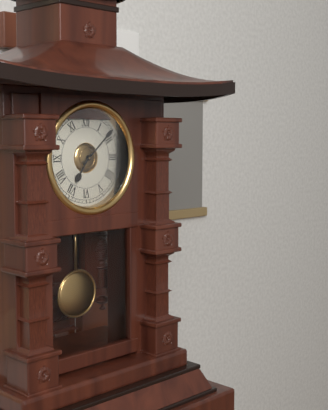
7:08
